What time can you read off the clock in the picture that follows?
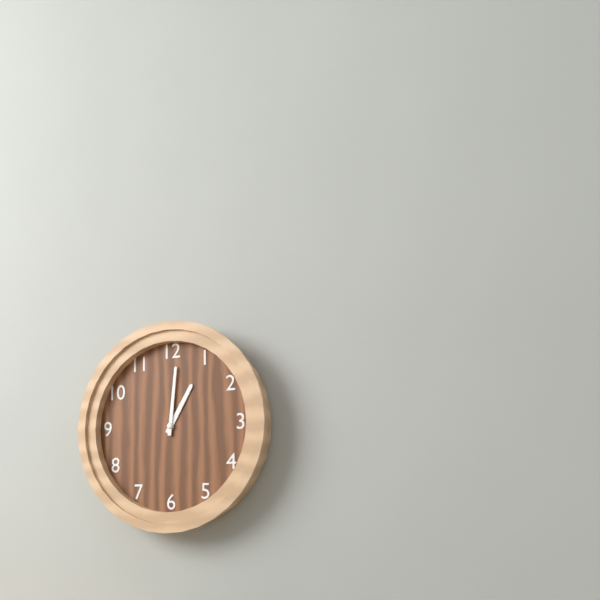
1:01
